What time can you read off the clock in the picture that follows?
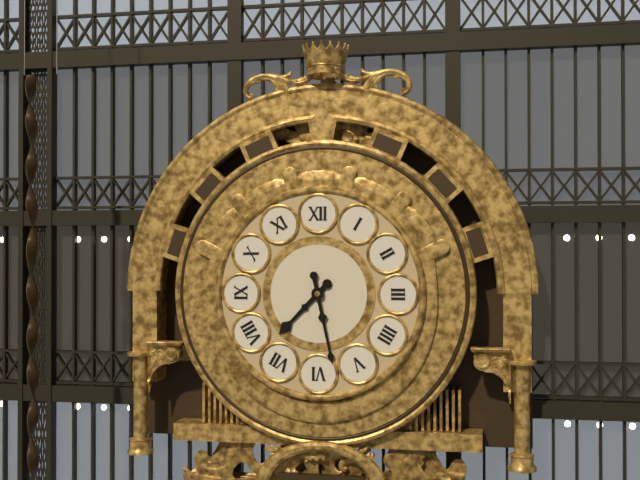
7:28
